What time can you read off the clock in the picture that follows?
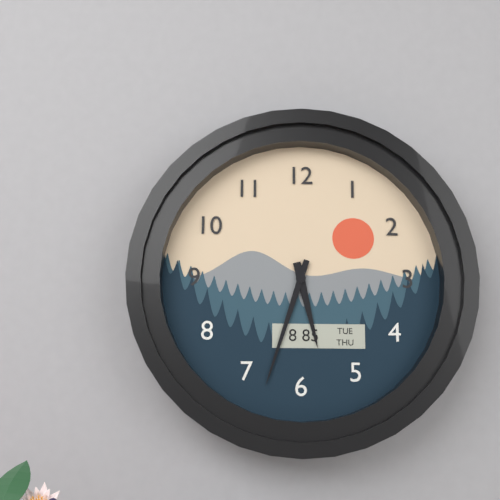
5:33
